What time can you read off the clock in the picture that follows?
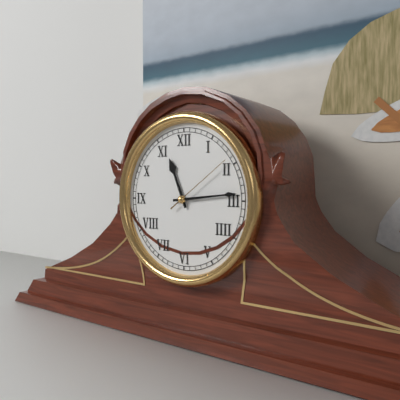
11:14:09
